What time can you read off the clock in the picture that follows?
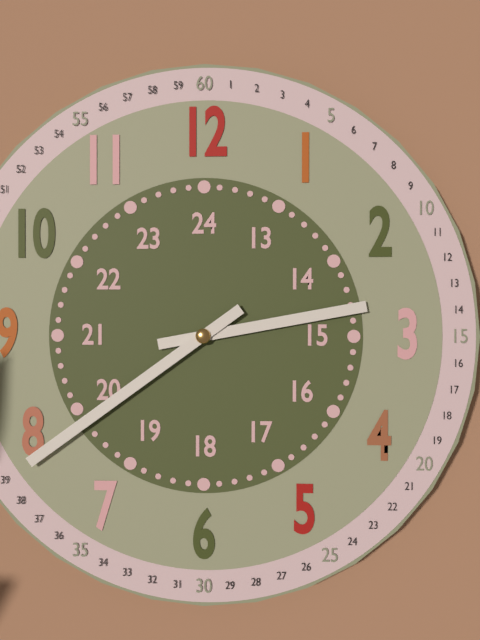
2:39
